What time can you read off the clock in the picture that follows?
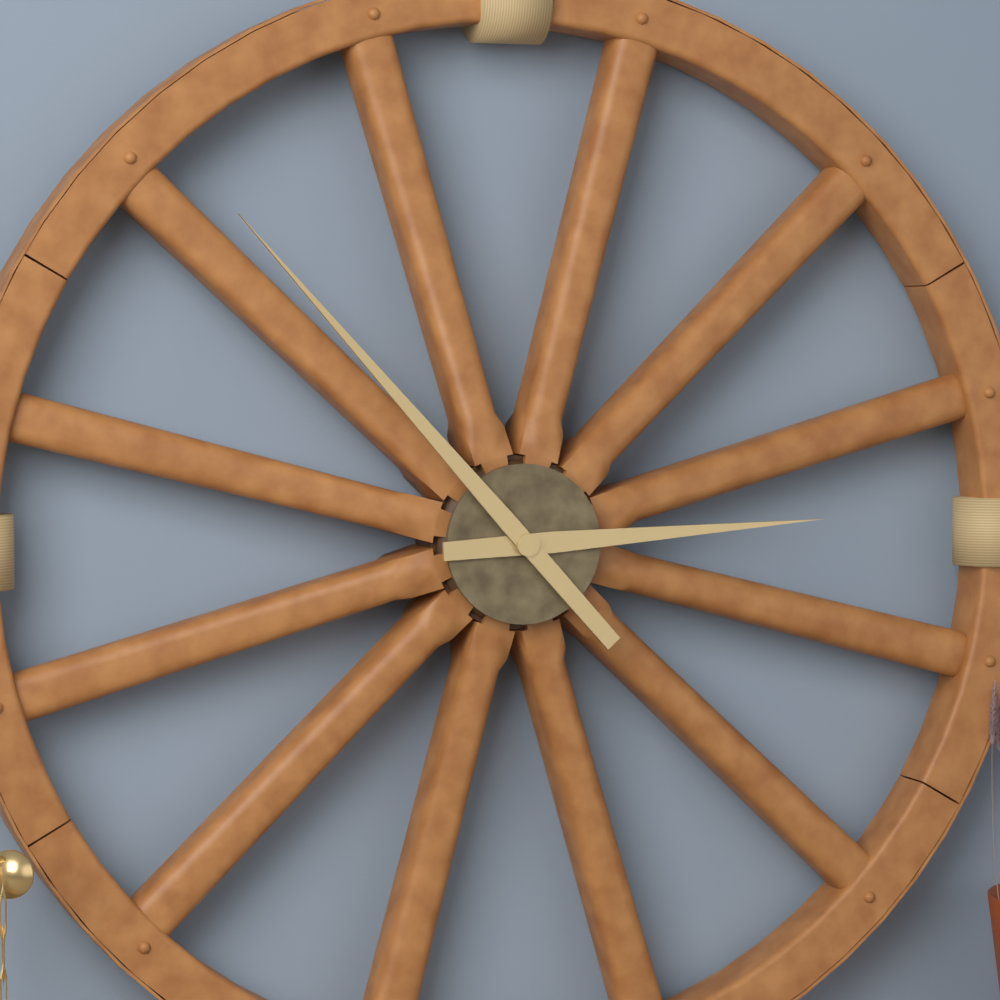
2:53
